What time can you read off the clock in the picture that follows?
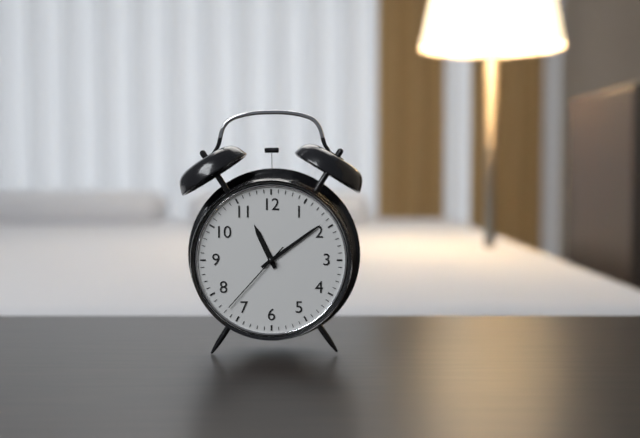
11:09:37
